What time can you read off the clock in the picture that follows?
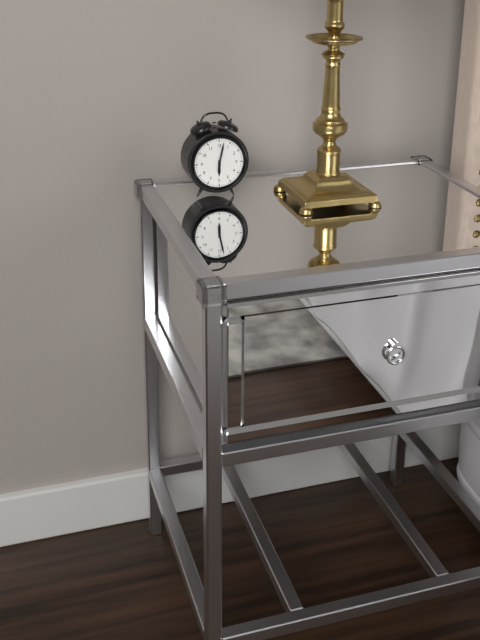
6:02
